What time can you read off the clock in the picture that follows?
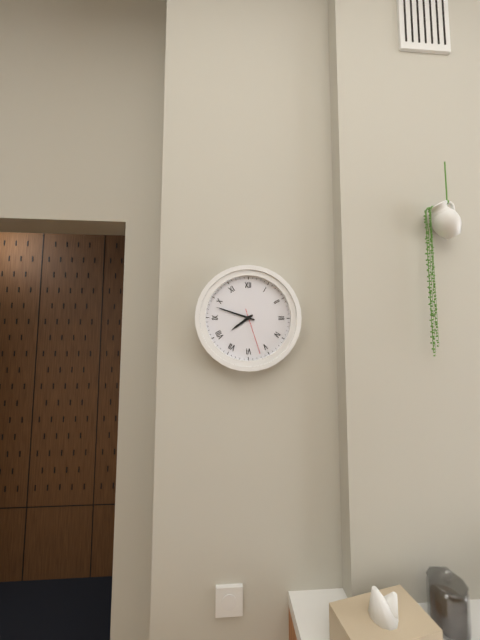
7:48
